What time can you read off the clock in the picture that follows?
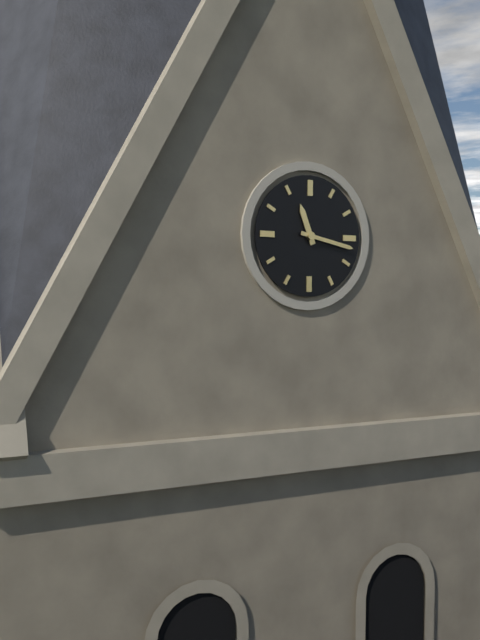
11:17
